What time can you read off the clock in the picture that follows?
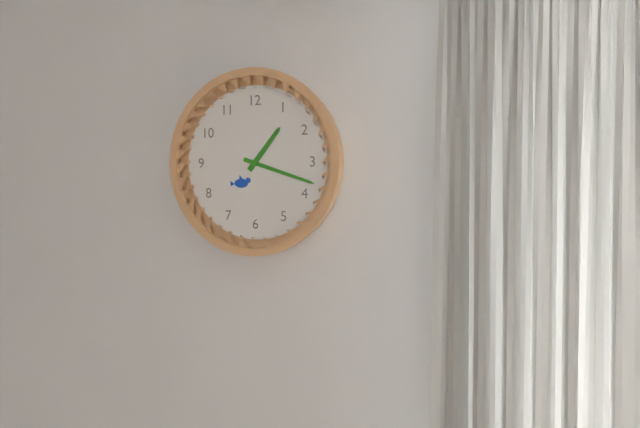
1:18
